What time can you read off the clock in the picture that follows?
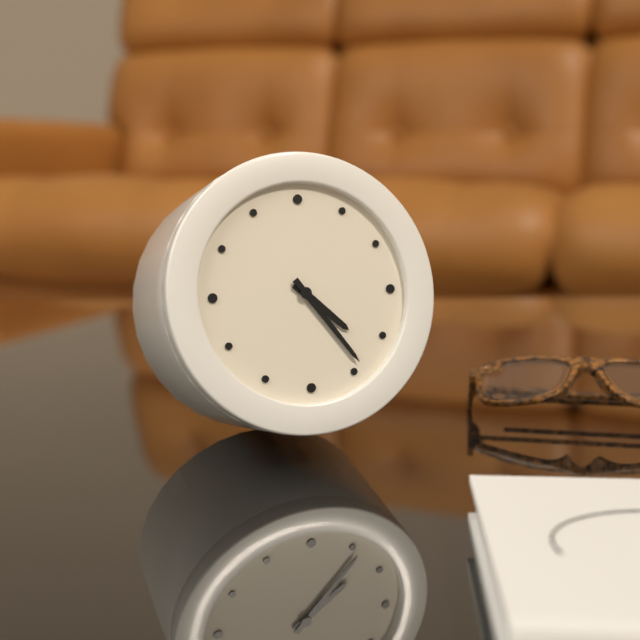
4:24
